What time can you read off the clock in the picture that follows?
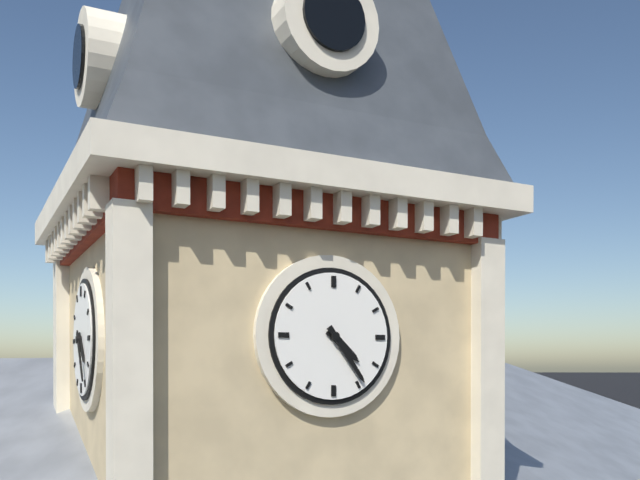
4:24
